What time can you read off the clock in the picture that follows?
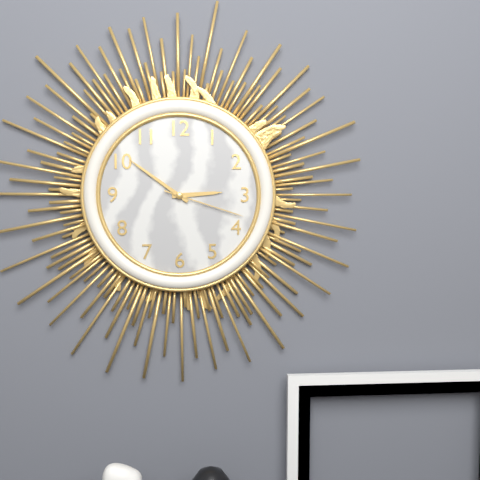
2:51:18
